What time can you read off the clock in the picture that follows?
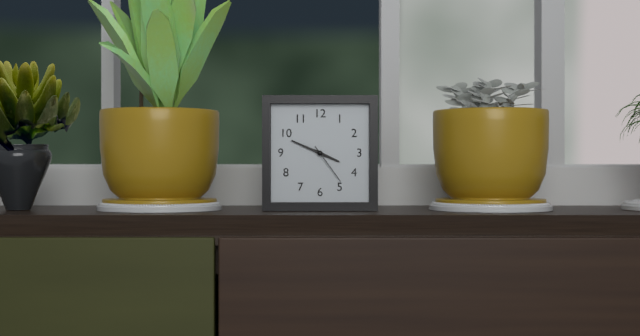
3:49
